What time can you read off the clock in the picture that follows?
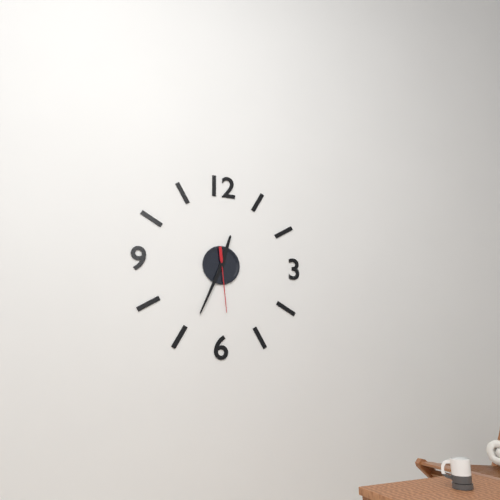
12:34:29
